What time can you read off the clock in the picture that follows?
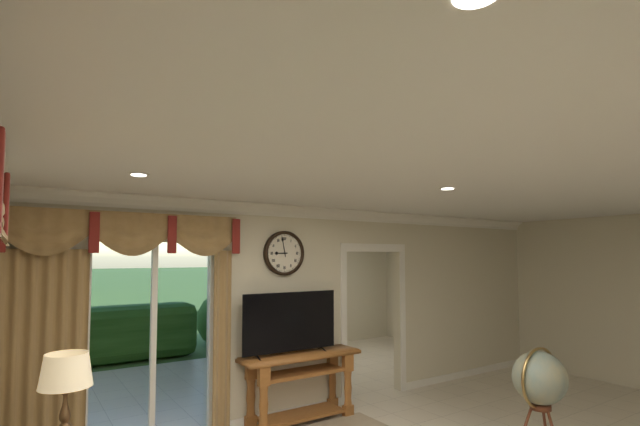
8:58
